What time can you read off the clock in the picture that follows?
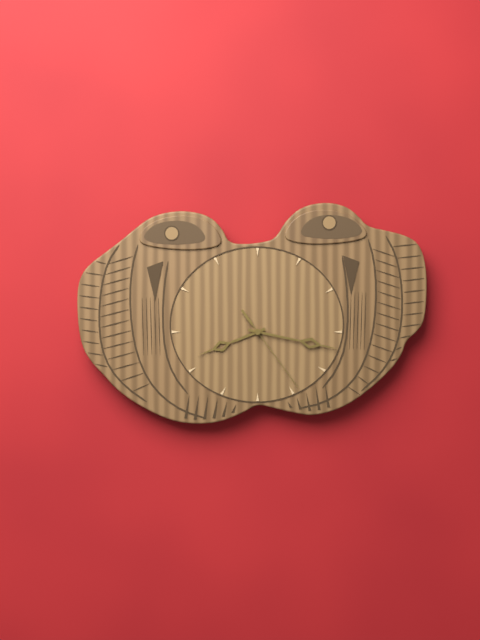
8:17:24
